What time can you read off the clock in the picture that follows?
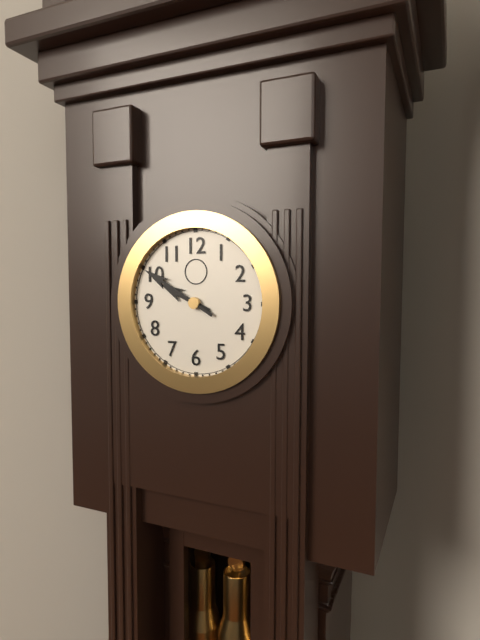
9:50
